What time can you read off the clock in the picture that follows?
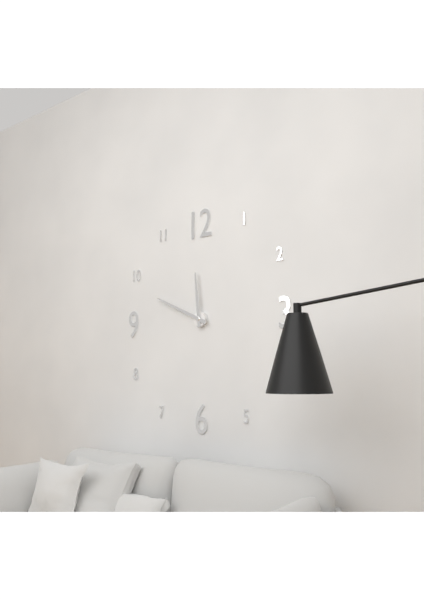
11:49
